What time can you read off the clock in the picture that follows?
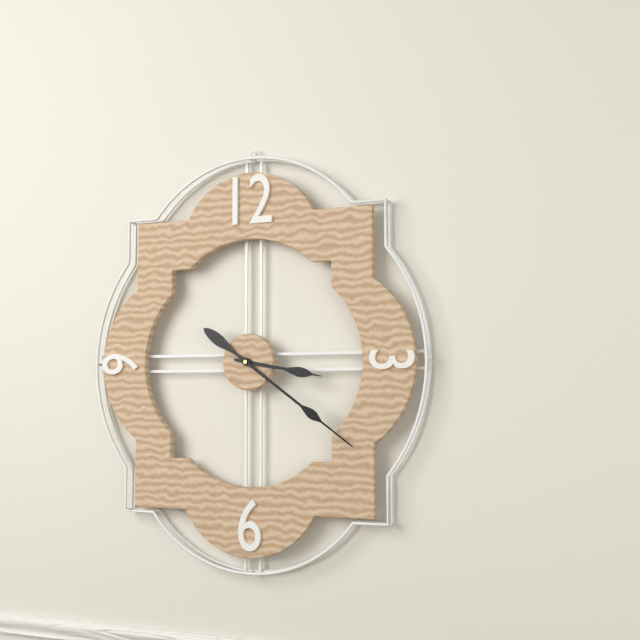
3:21
